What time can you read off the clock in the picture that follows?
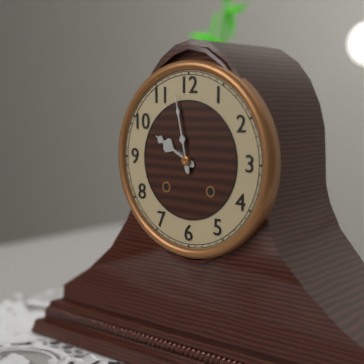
9:58
